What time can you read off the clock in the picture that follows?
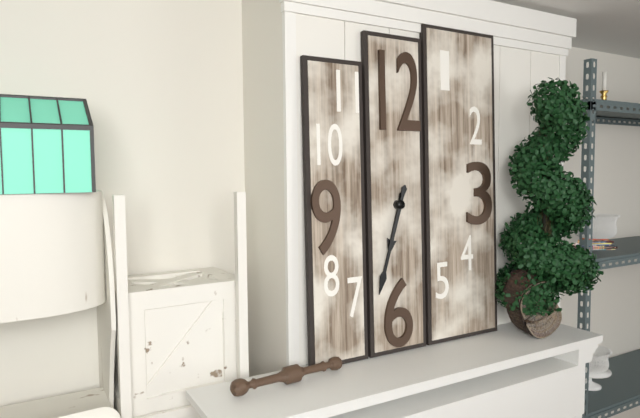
6:33
